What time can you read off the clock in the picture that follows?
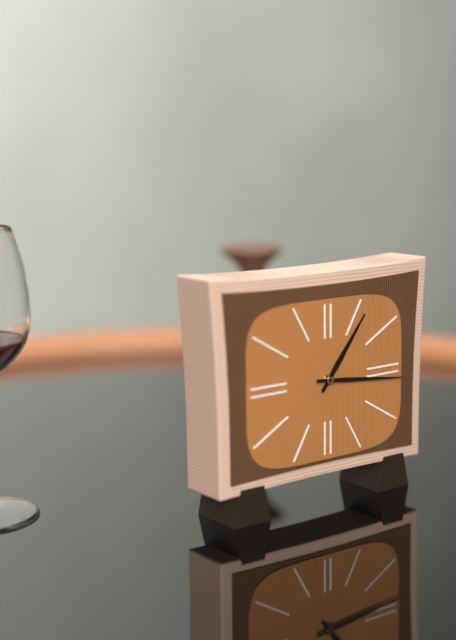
1:16
